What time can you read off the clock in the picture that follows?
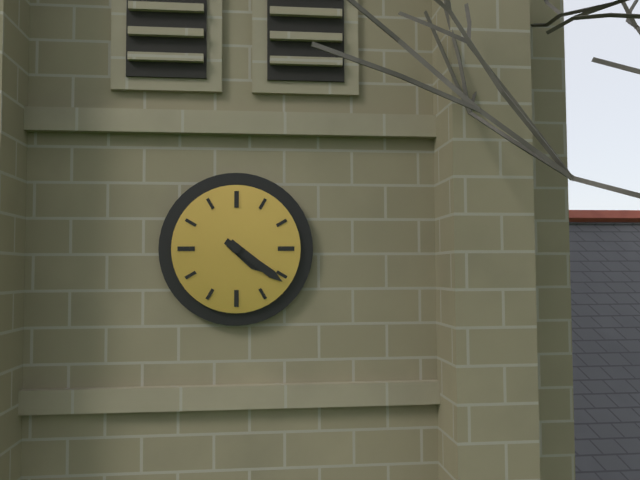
4:21
